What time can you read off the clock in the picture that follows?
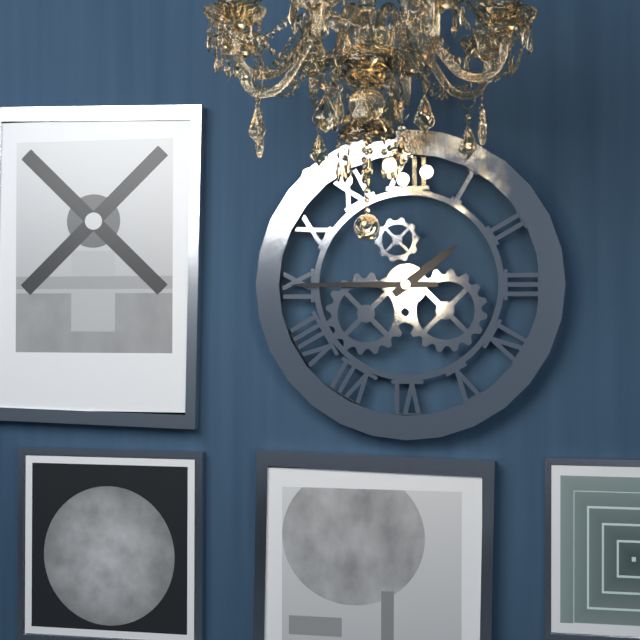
1:45
